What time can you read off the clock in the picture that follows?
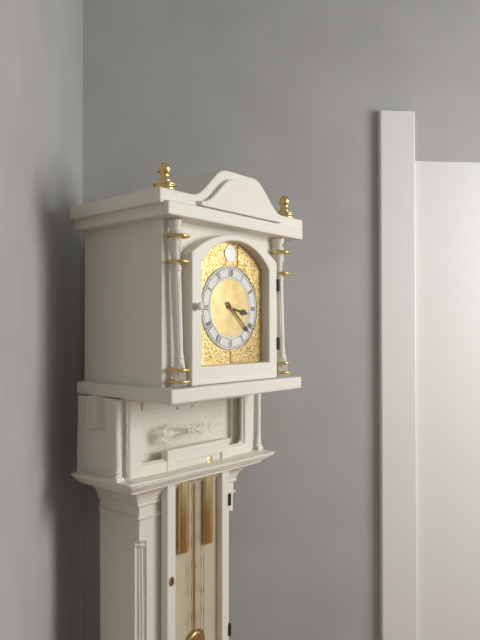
3:22
